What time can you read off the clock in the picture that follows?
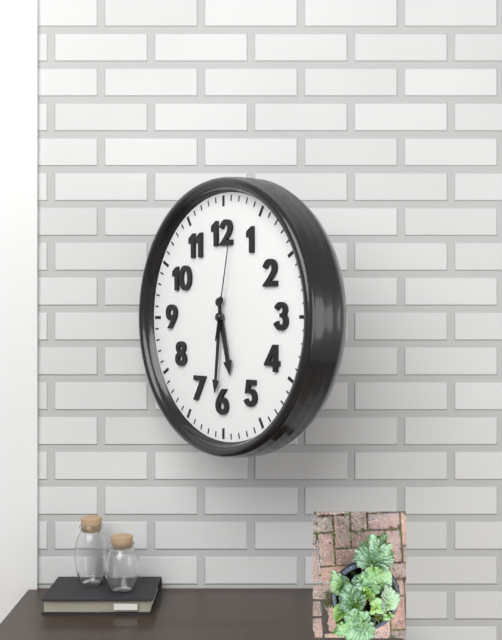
5:31:02
